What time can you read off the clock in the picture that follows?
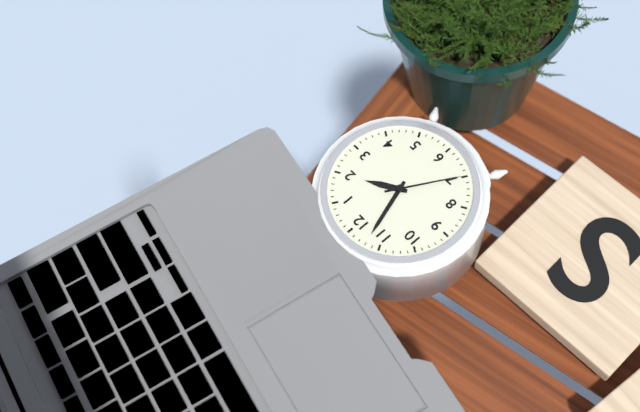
1:57:35
